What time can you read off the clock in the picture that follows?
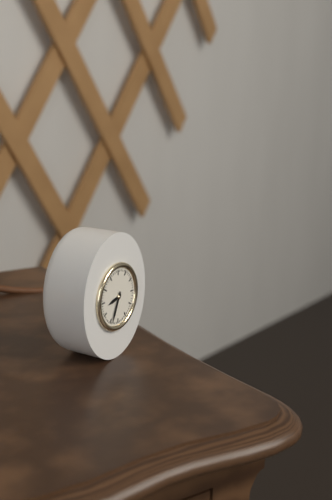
8:34
